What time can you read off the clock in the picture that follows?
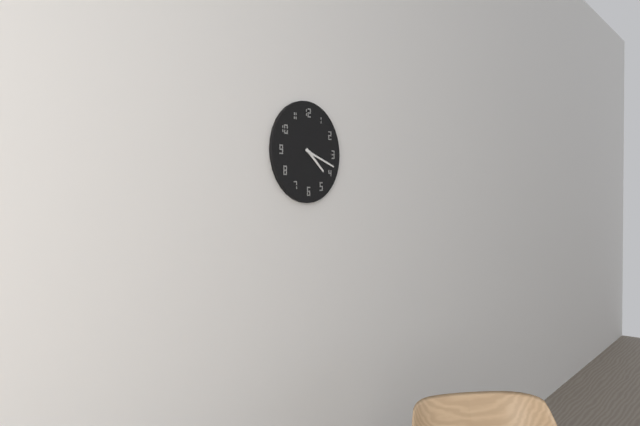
4:18
